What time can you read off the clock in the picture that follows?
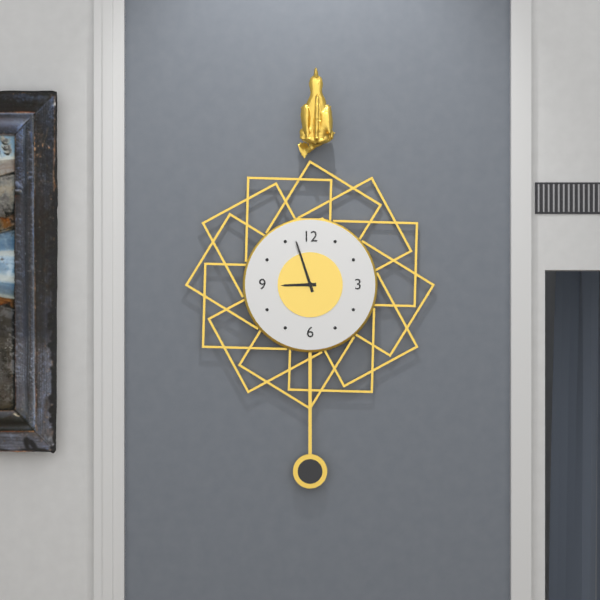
8:57
